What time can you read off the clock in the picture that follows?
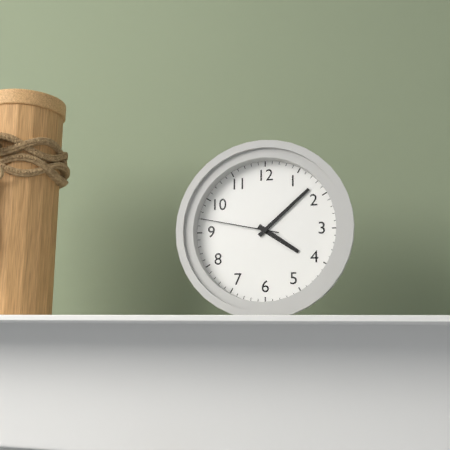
4:08:47
